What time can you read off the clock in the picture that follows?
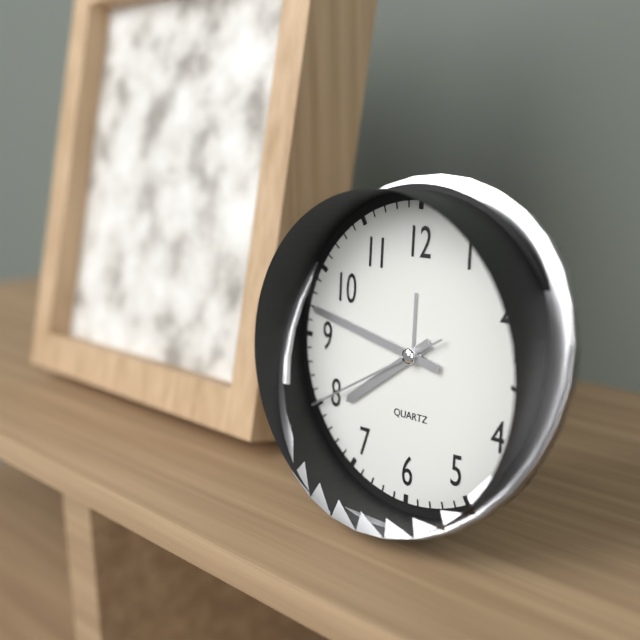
7:47:40
